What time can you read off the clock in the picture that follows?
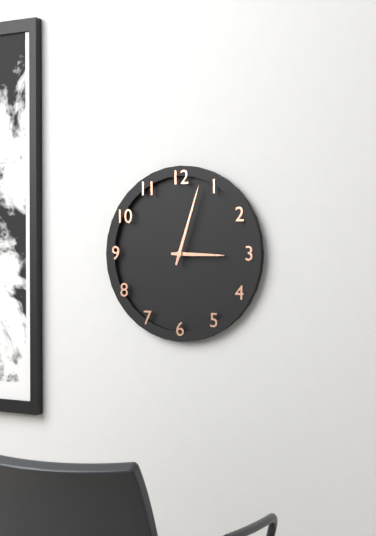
3:03
